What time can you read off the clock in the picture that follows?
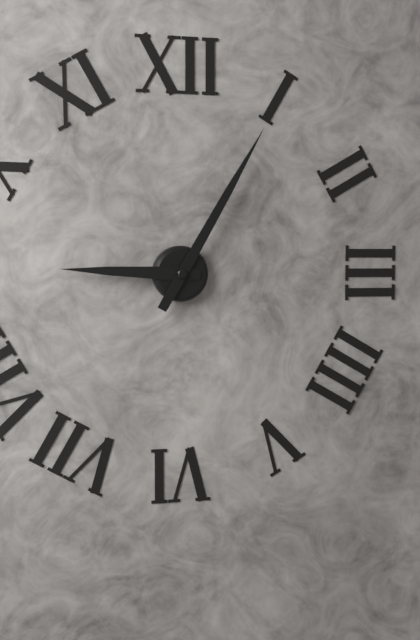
9:05
